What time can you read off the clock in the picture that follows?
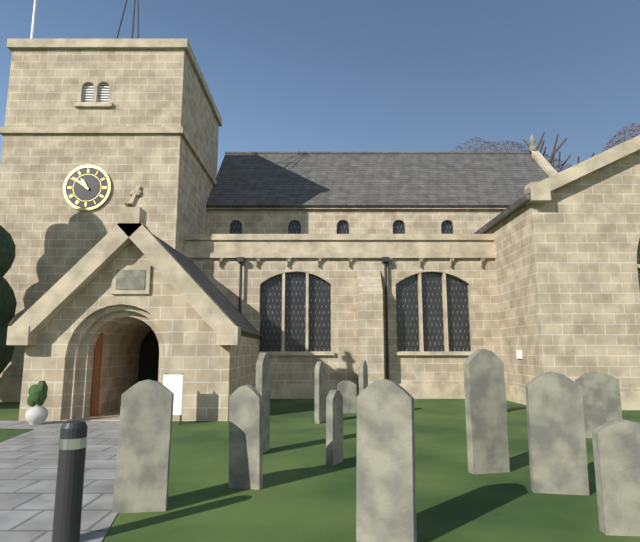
10:51
